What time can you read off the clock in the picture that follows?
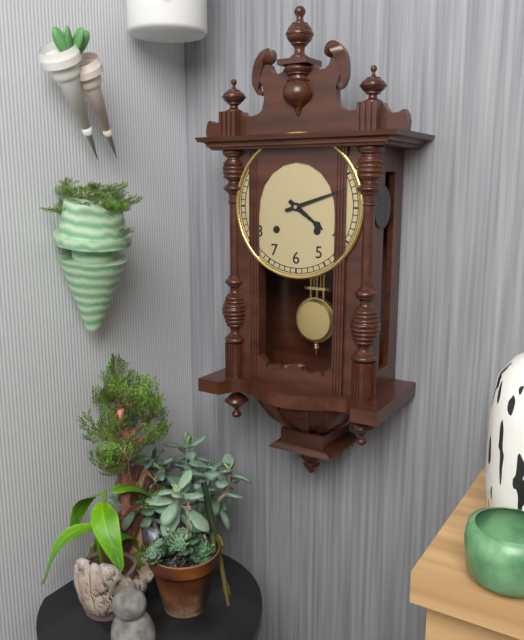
4:12
